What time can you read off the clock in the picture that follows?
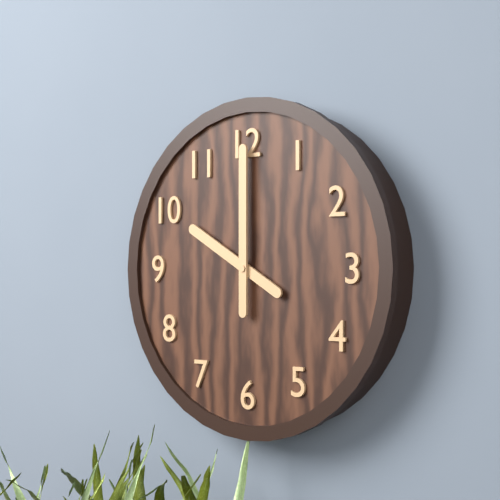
10:00
